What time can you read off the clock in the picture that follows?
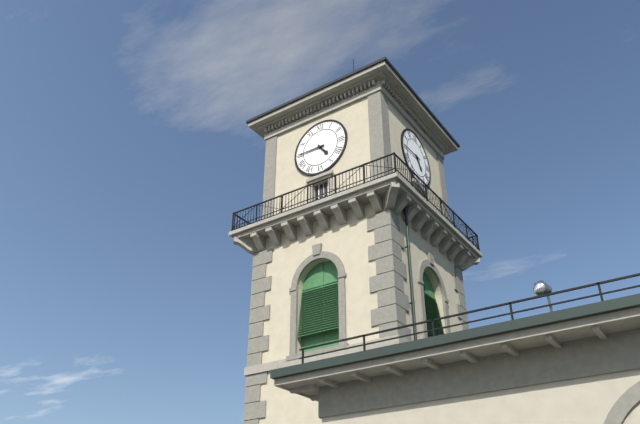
4:45
